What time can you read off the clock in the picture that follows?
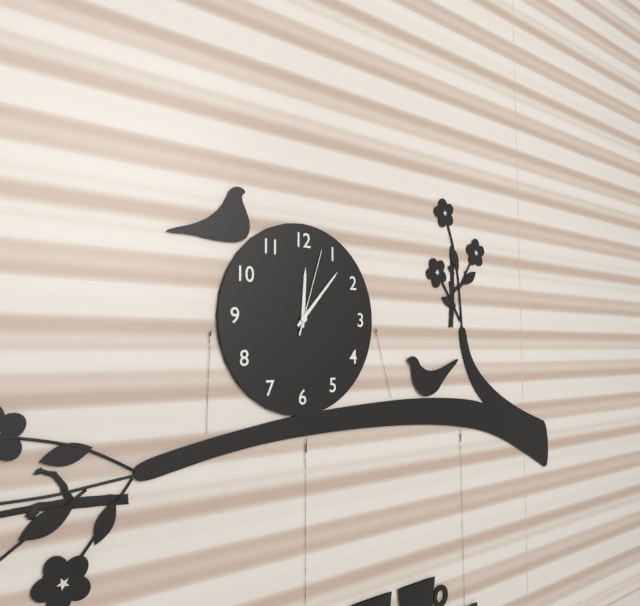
12:07:03
